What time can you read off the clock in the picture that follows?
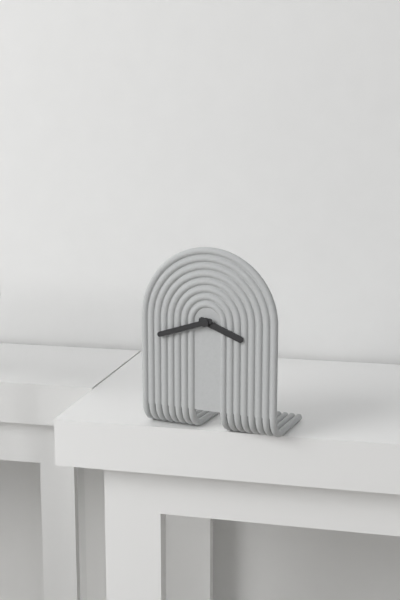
3:42
